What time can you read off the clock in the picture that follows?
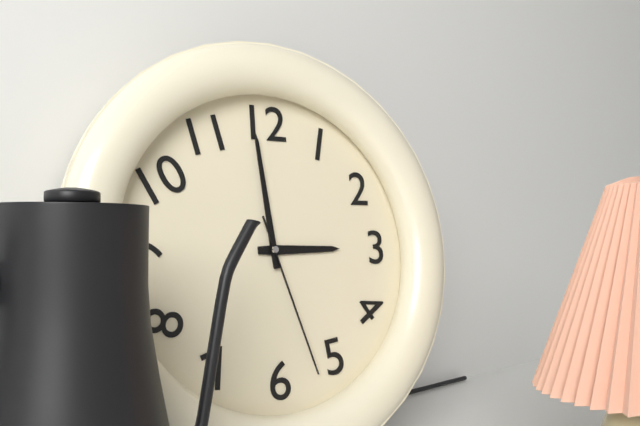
2:59:27
